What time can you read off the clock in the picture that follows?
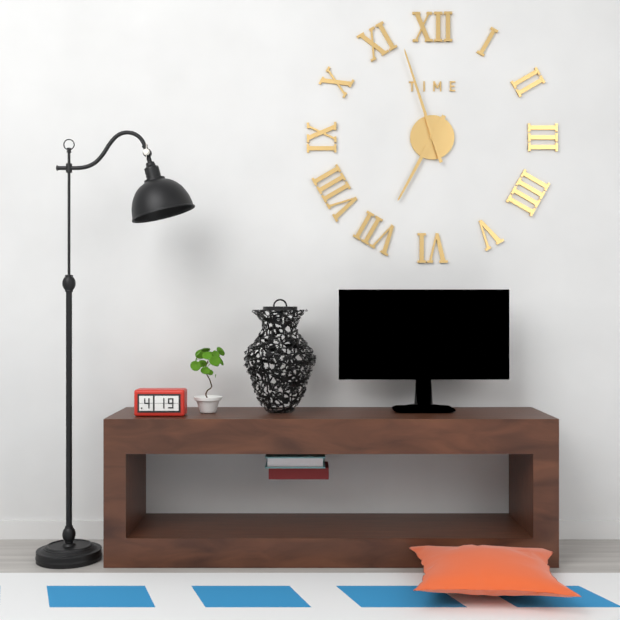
6:57
